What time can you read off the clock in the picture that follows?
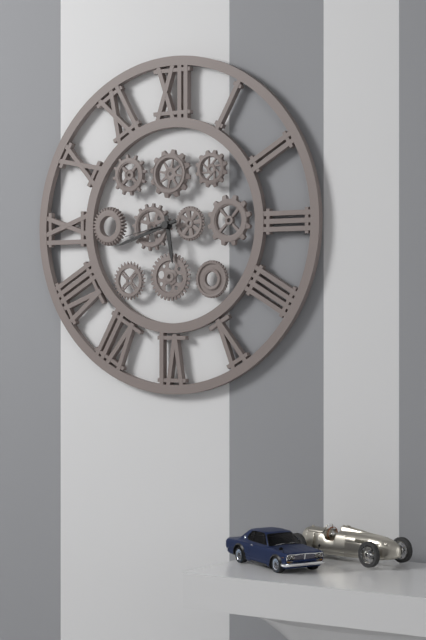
5:42:43
